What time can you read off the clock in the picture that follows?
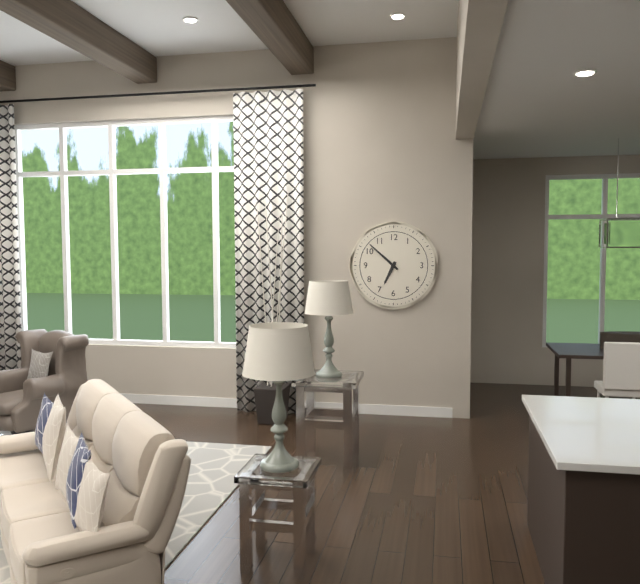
6:52
